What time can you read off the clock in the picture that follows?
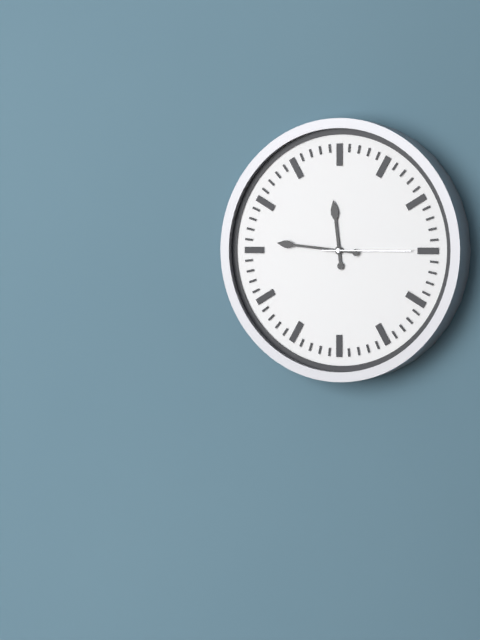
11:46:15
